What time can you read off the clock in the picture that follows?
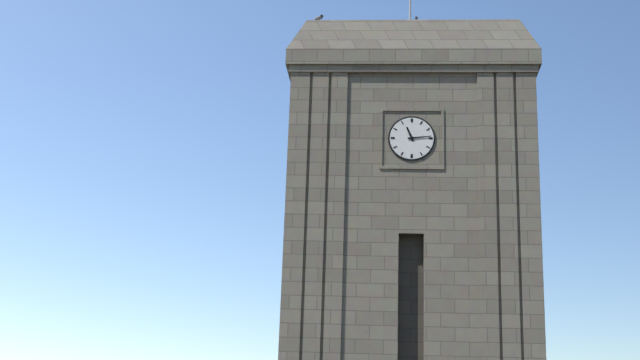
11:14
